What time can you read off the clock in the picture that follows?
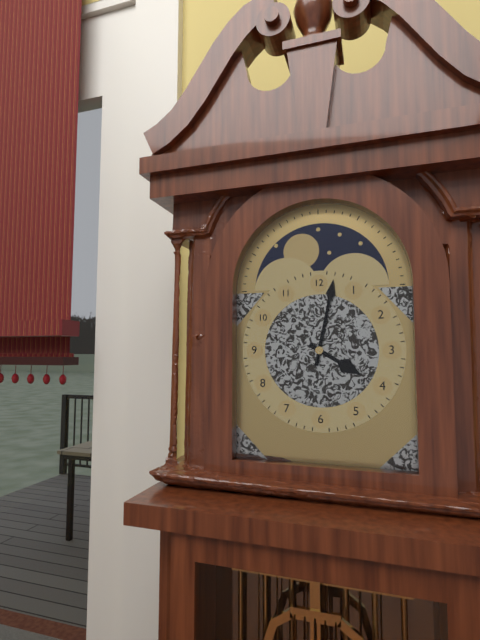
4:02
